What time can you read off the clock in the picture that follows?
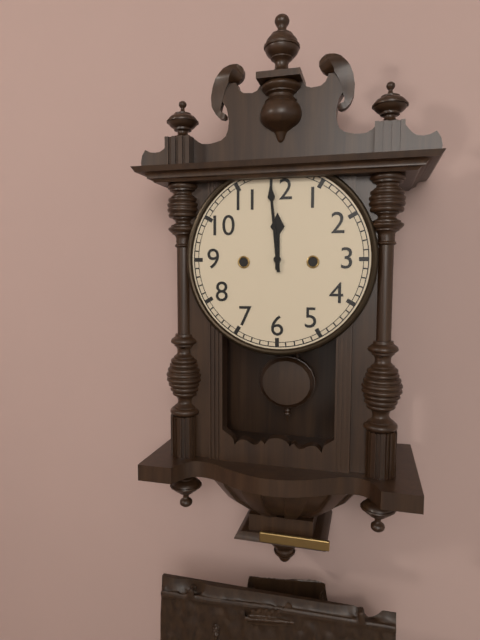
11:59
